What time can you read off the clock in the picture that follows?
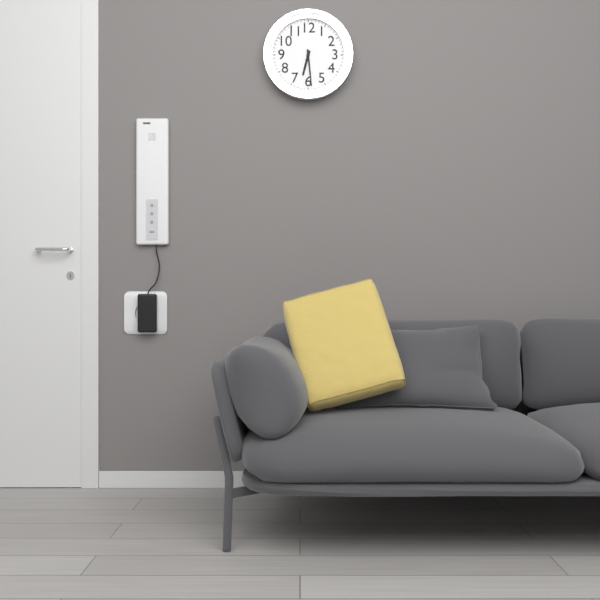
6:29
